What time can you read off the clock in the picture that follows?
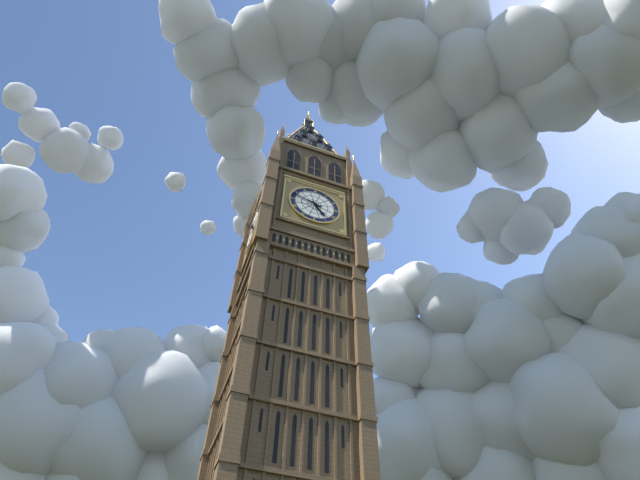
4:48
